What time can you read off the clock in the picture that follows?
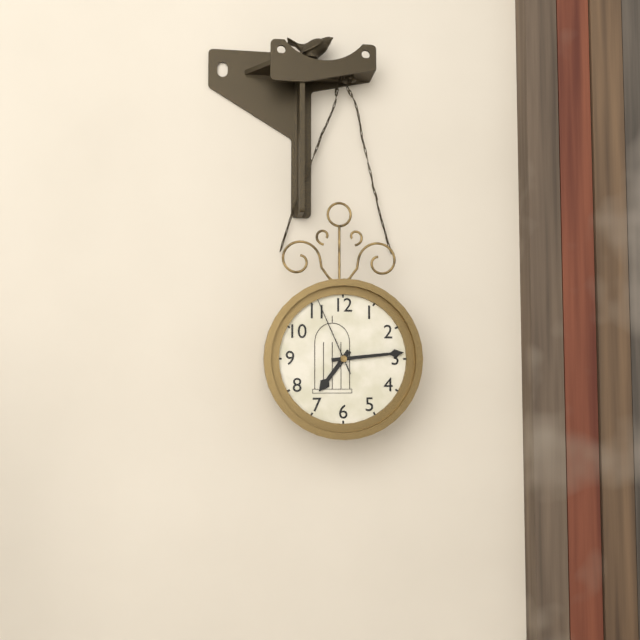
7:14:56
